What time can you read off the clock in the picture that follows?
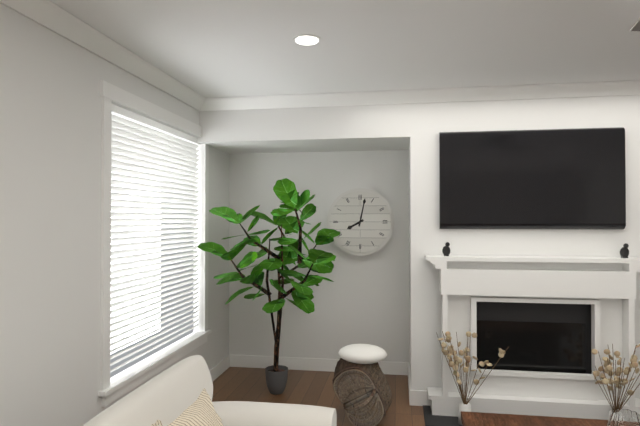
8:02
